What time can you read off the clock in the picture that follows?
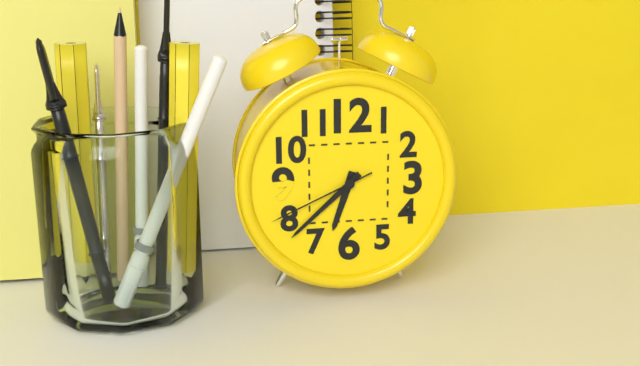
6:38:41
